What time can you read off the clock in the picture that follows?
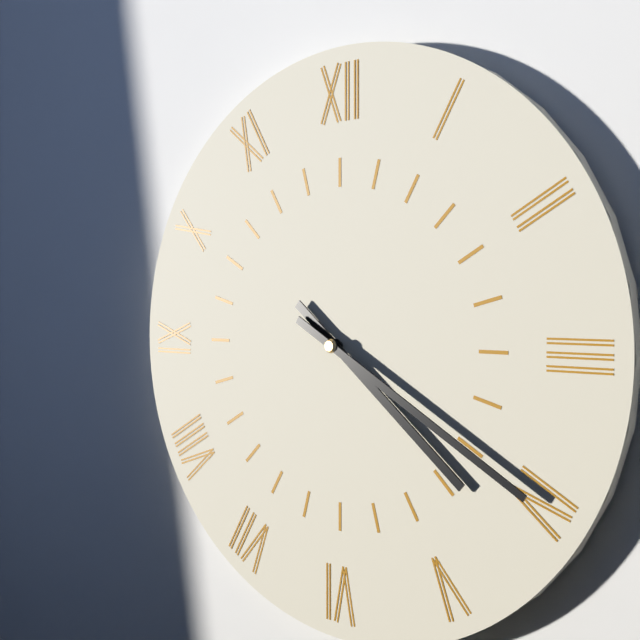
4:20
